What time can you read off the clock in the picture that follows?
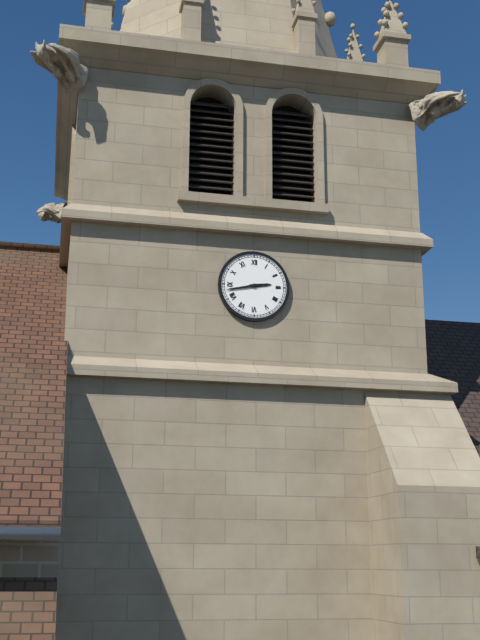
2:43
